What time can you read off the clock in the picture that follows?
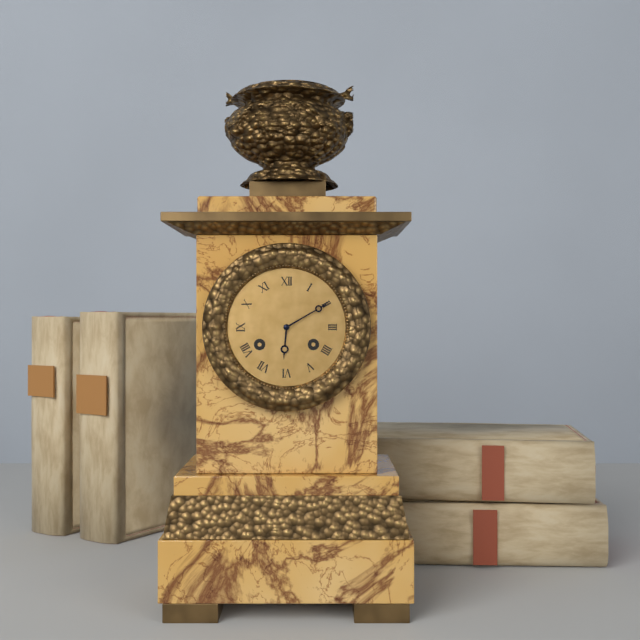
6:10
